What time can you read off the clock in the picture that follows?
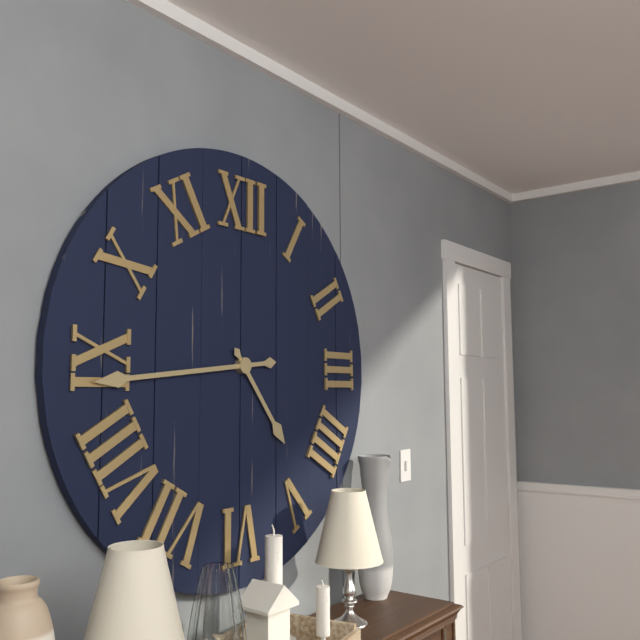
4:44
